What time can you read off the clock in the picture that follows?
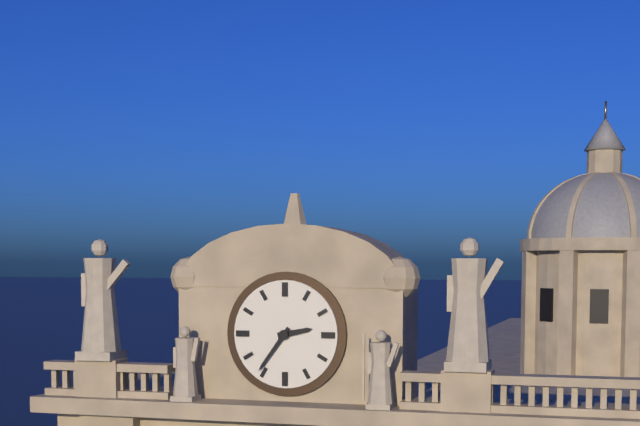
2:36
